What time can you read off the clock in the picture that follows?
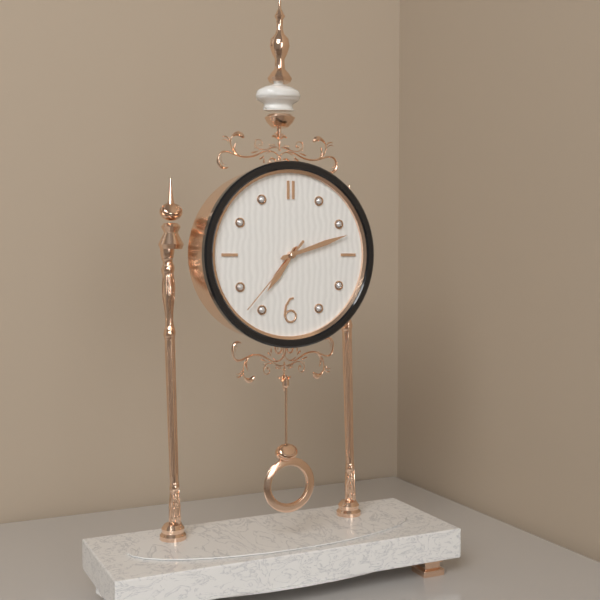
7:12:37
